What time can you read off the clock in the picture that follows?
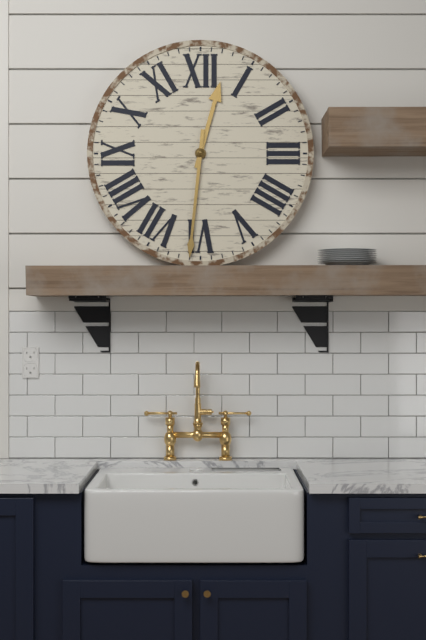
12:31
